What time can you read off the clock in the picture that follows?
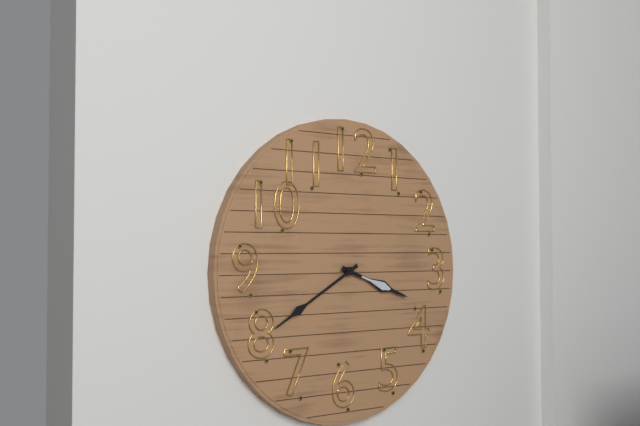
3:40
